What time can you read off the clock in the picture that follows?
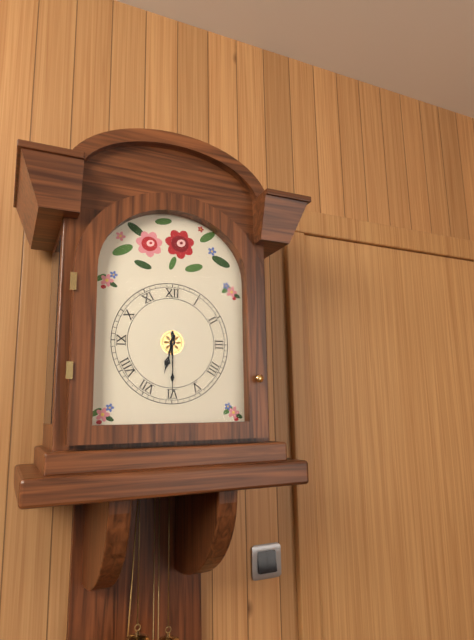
6:30
